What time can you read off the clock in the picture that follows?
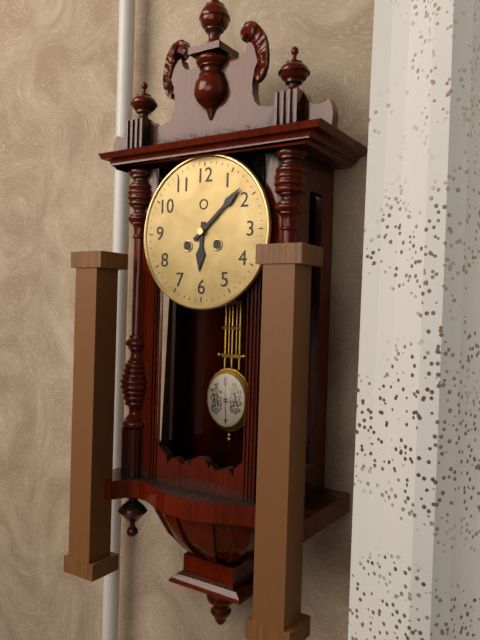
6:08
